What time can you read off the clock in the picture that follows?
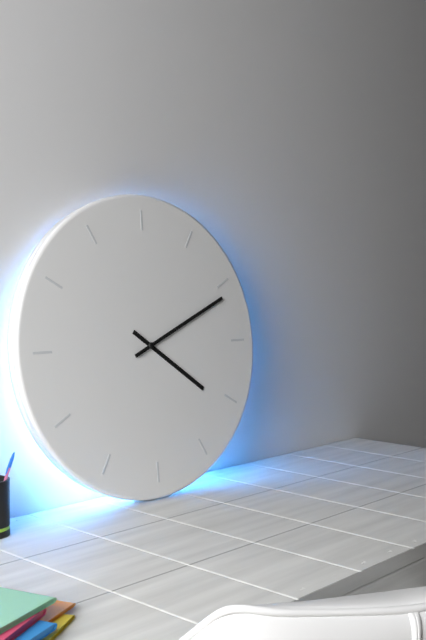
4:11
